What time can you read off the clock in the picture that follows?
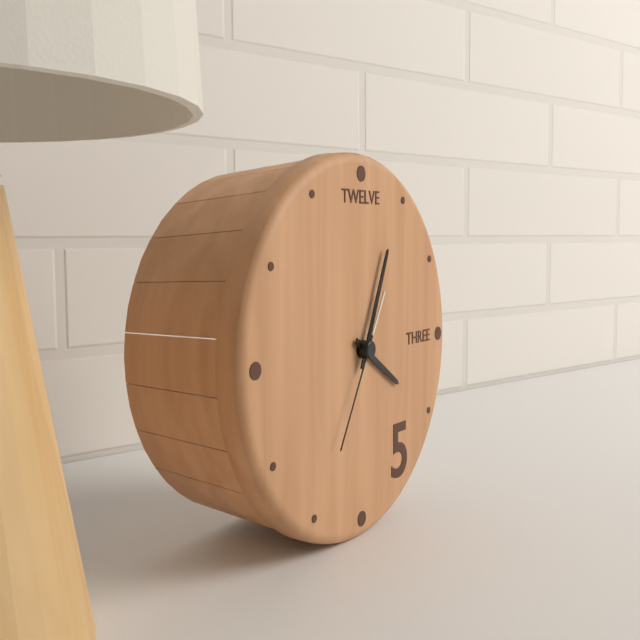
4:04:35
